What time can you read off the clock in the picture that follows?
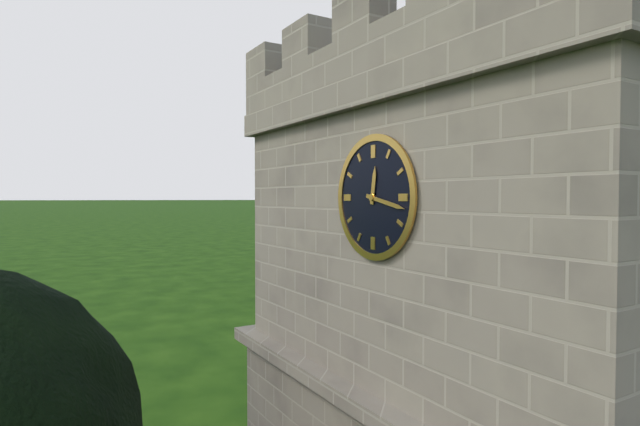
12:17
